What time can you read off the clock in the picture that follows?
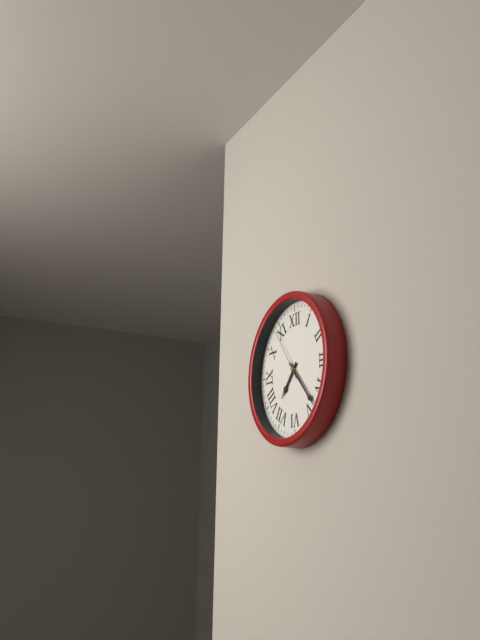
7:23:54
